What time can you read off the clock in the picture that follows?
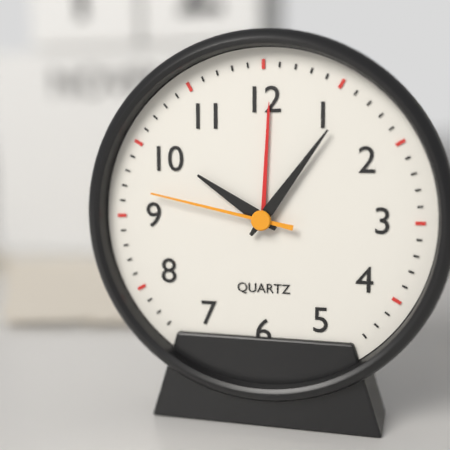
10:06:47
